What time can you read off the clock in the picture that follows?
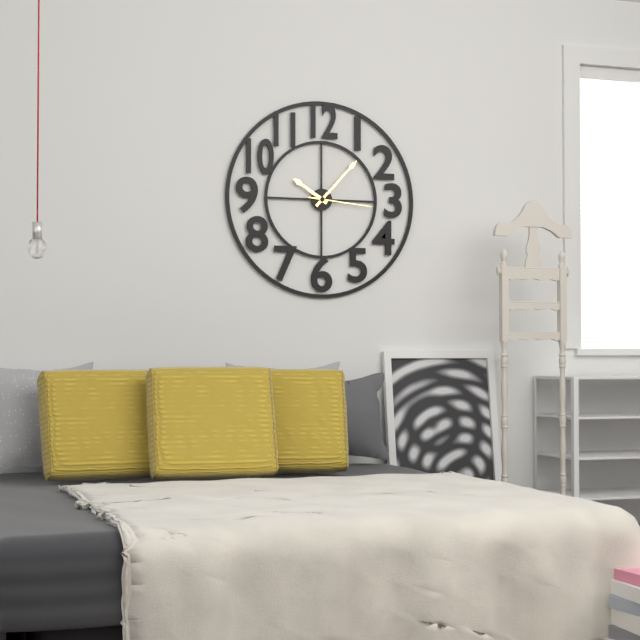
10:07:16
